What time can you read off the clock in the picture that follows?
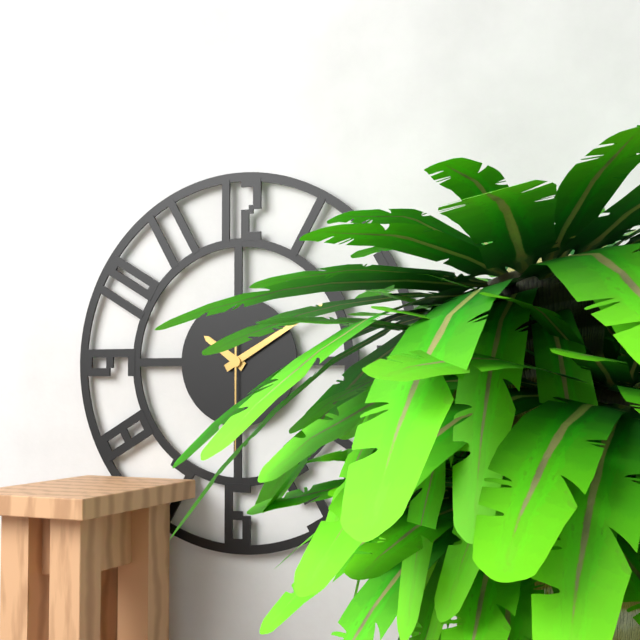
10:10:30
